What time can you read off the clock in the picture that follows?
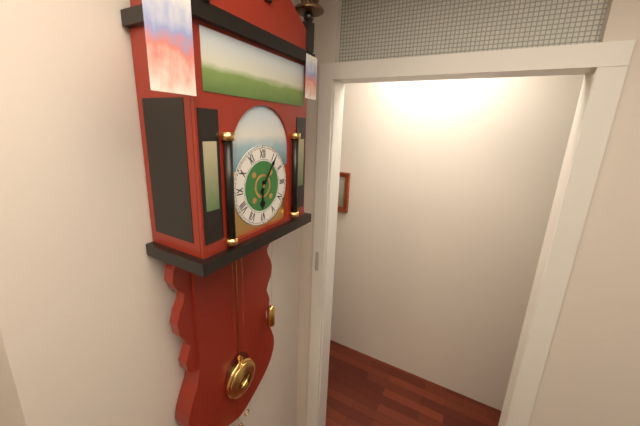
6:06
